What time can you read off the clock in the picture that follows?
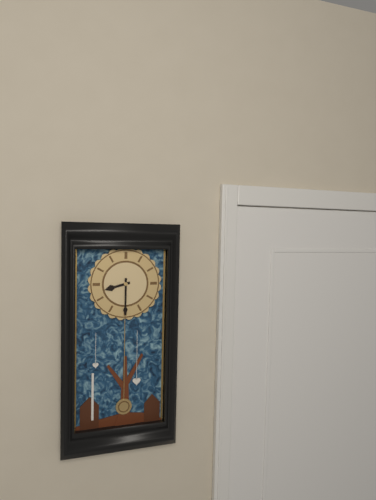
8:30
